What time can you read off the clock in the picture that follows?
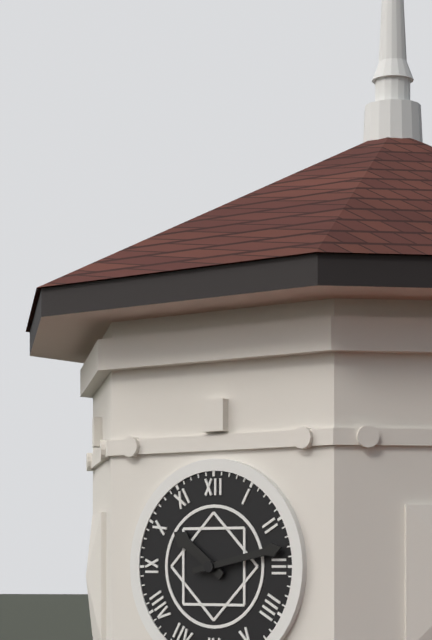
10:13
